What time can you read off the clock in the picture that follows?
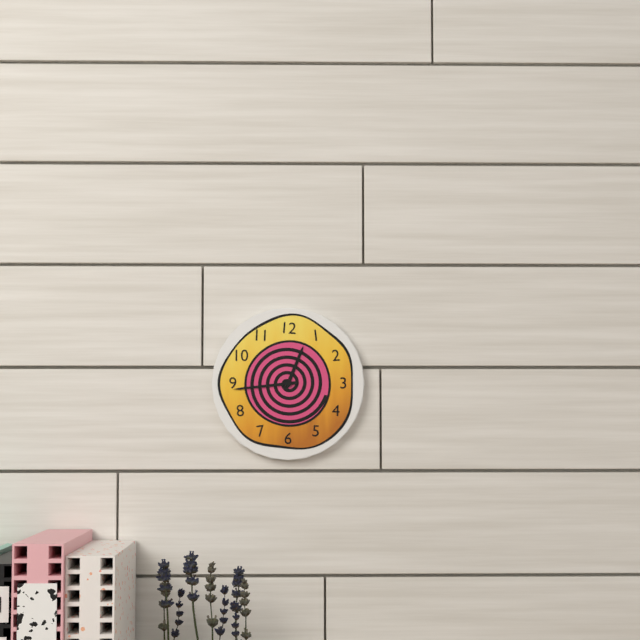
12:44
